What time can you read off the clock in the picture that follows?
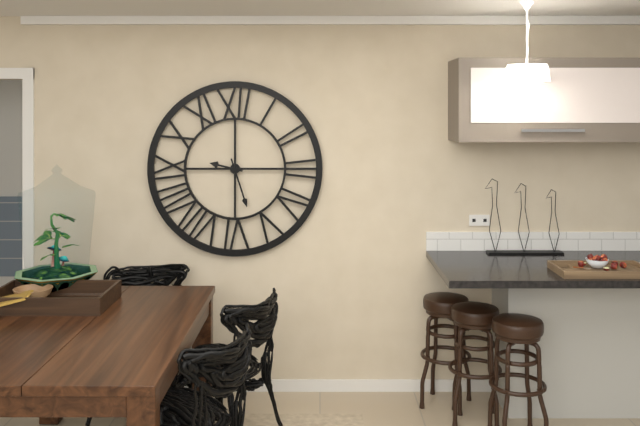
9:27
